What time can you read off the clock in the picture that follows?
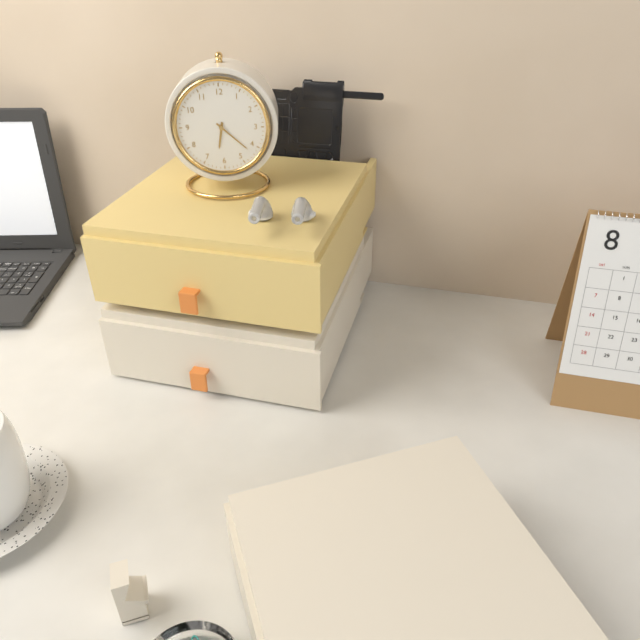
6:22
